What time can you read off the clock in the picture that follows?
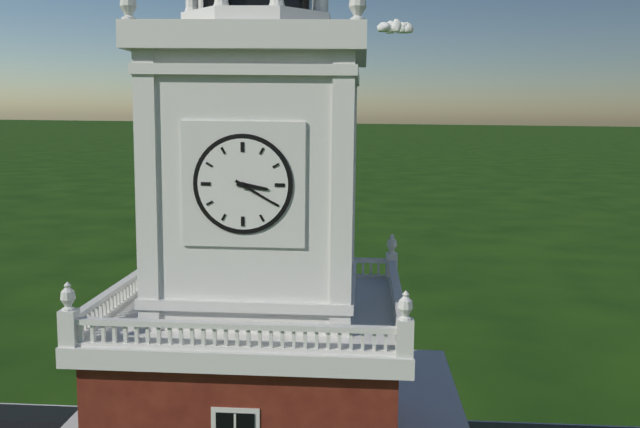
3:20
